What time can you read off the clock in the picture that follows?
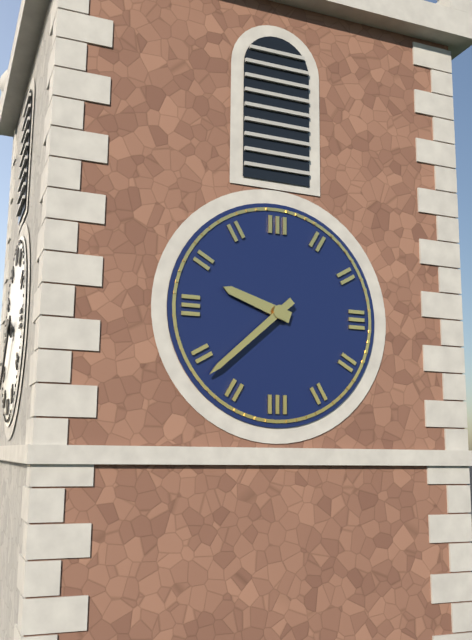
9:38
